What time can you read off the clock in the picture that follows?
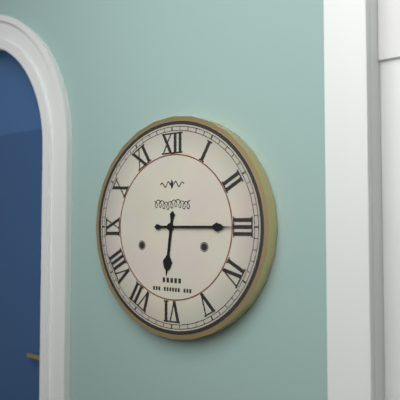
6:15
